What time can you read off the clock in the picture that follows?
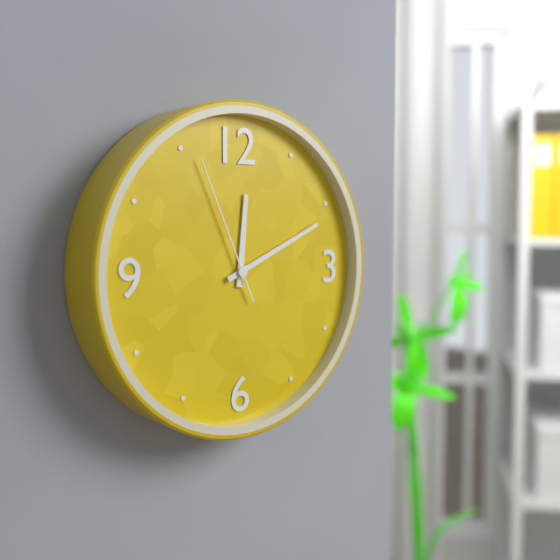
12:11:56
